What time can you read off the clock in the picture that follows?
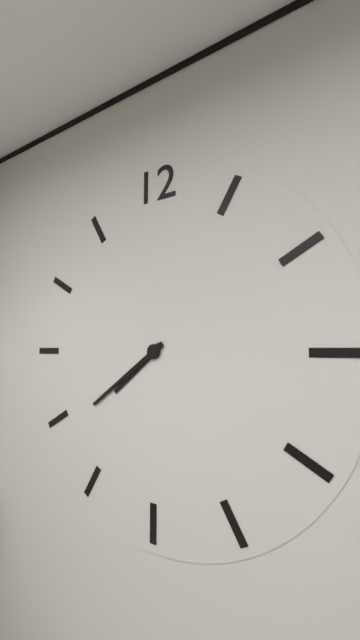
7:39
